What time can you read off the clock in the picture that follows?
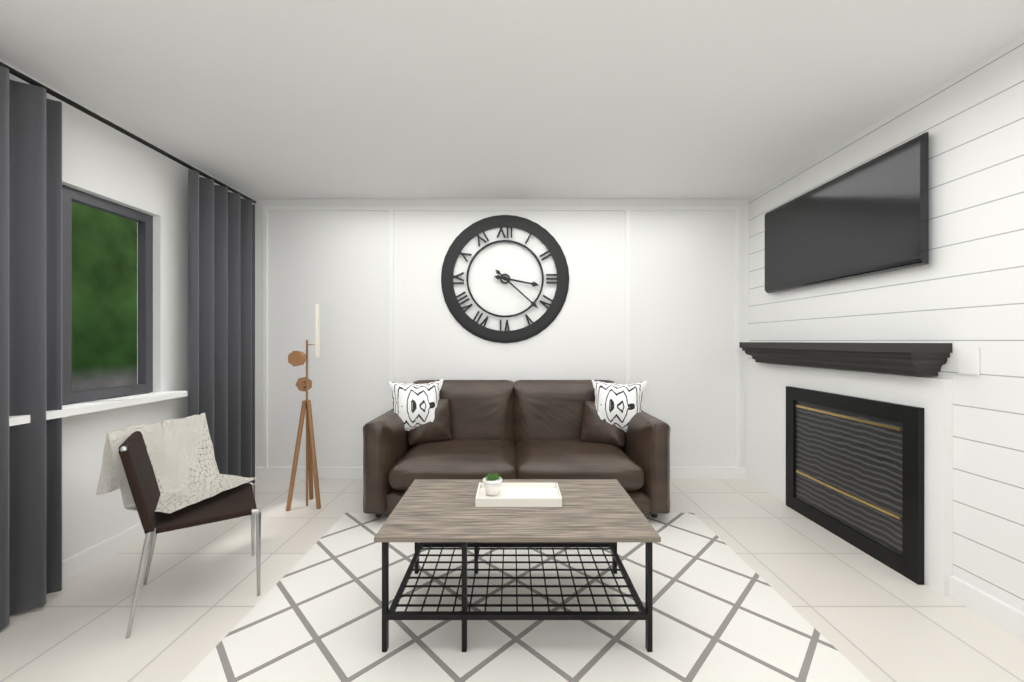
3:22
